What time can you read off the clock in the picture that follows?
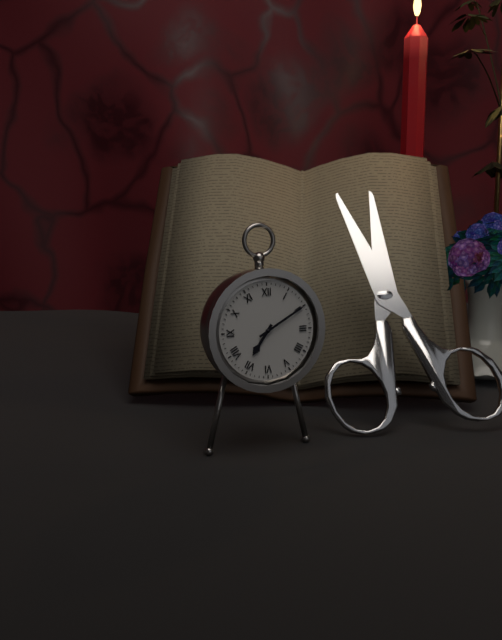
7:10
